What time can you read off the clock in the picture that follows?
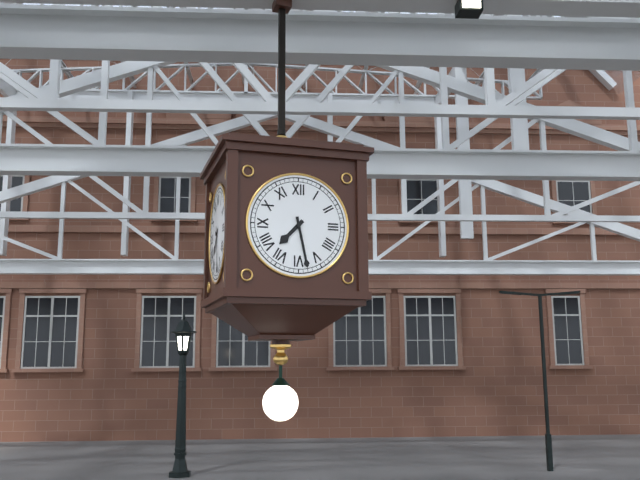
7:28
